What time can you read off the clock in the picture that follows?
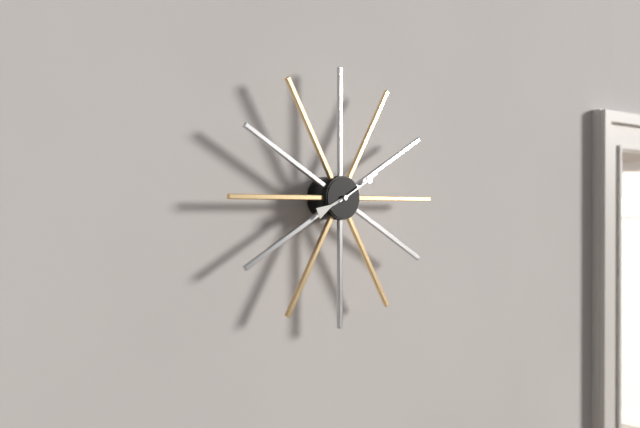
8:10
